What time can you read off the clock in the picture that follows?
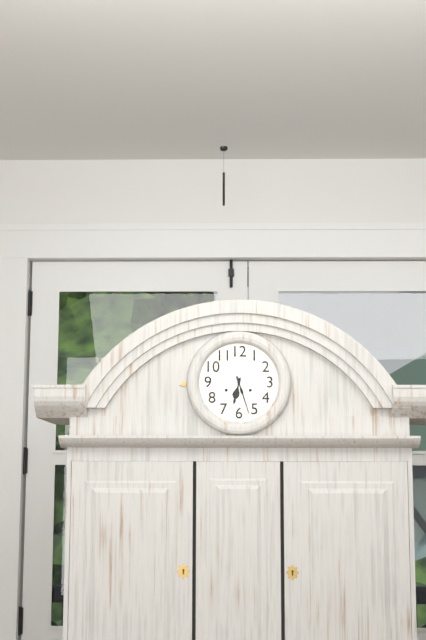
6:27
